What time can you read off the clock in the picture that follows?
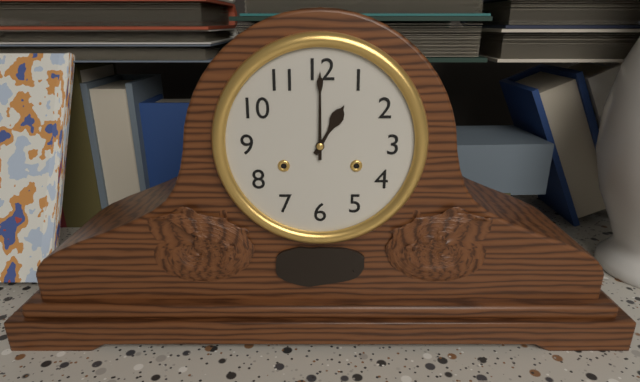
1:00
